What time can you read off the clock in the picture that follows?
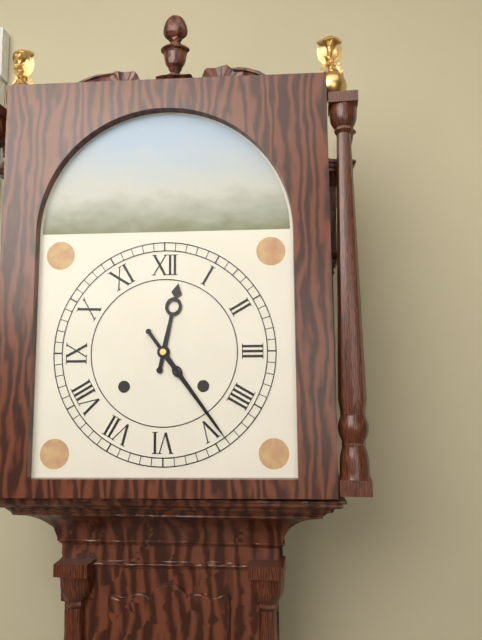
12:24
